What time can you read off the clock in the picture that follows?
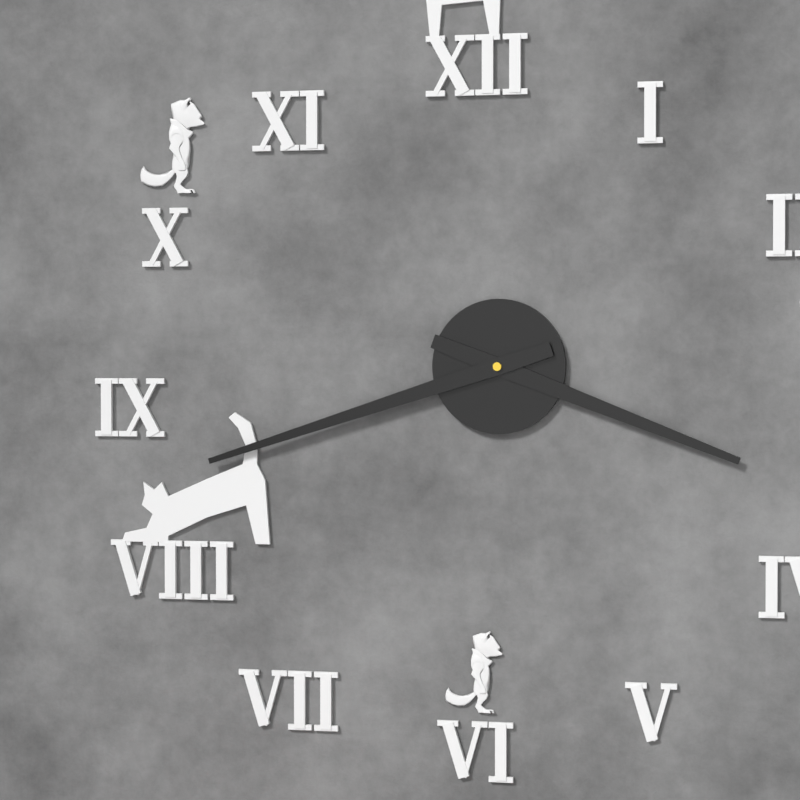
3:42
